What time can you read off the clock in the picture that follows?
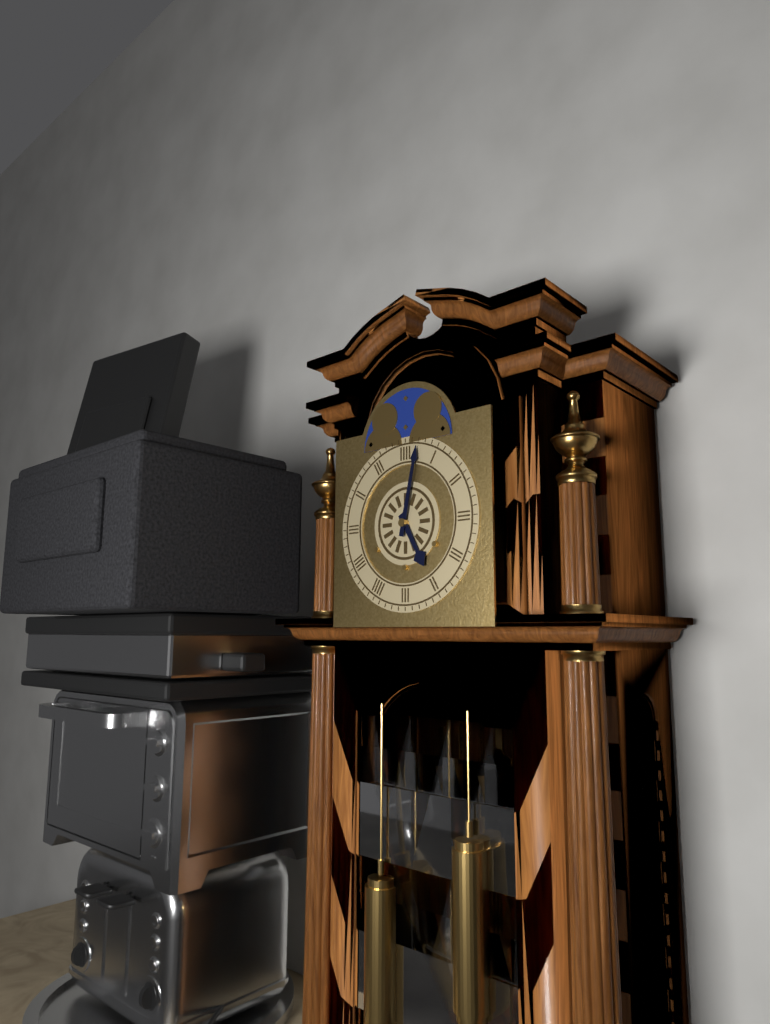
5:02
